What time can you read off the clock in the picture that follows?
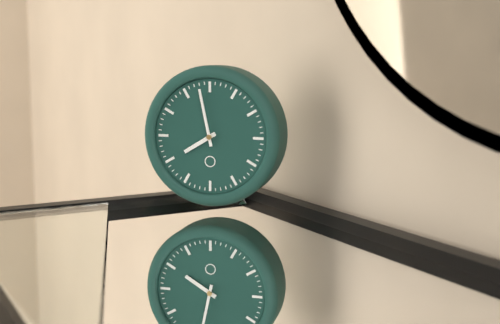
7:58
